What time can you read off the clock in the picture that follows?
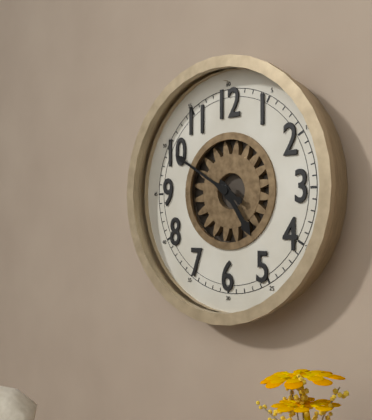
4:50
